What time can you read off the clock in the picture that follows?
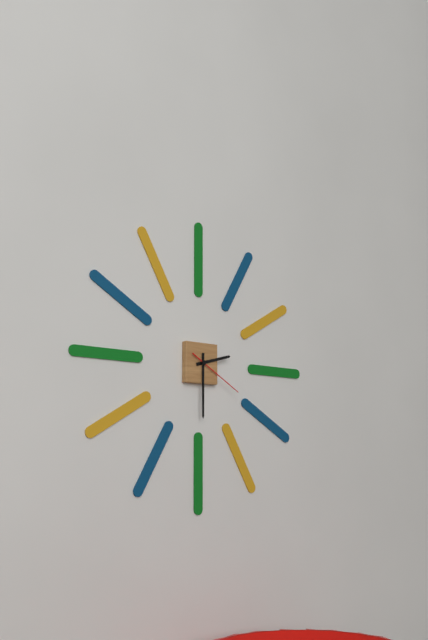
2:30:20
